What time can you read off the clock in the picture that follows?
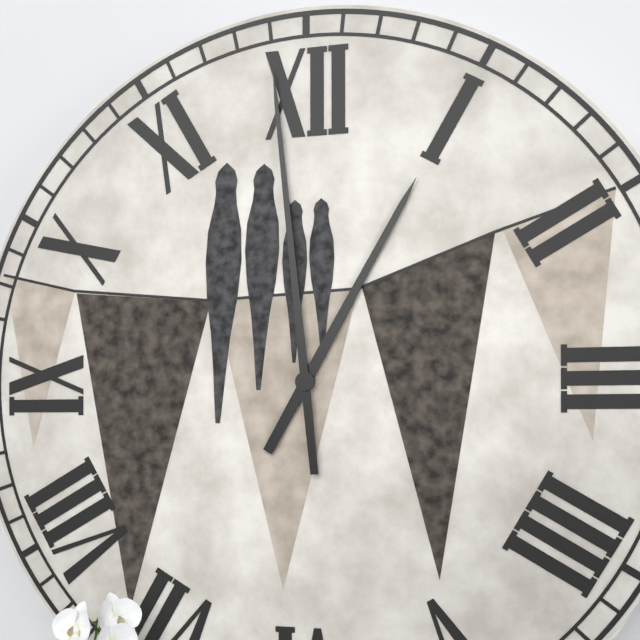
12:59
